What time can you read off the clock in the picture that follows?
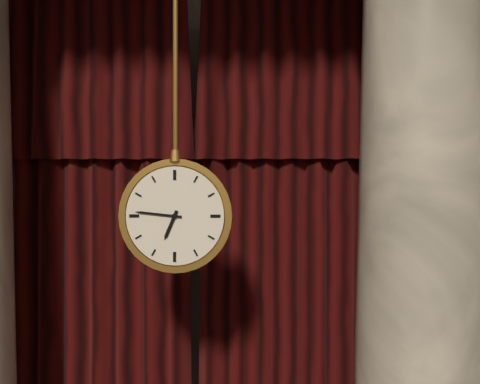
6:46
